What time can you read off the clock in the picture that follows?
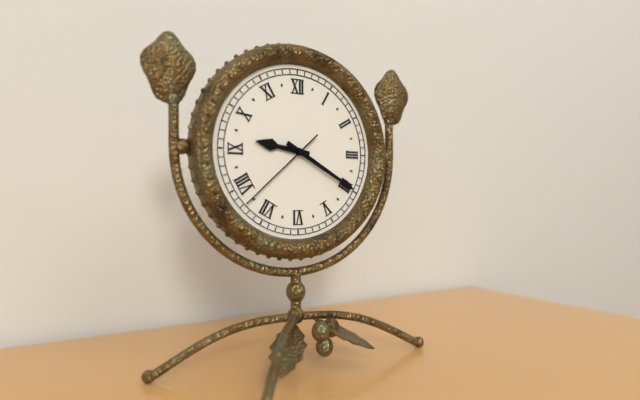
9:20:38
